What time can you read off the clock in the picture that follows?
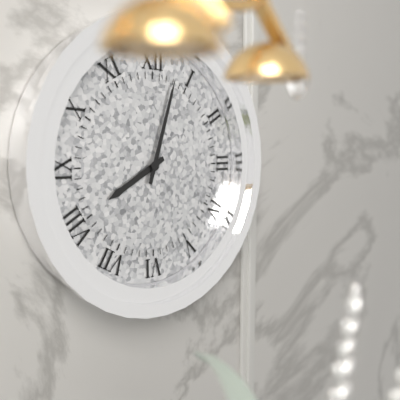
8:03
